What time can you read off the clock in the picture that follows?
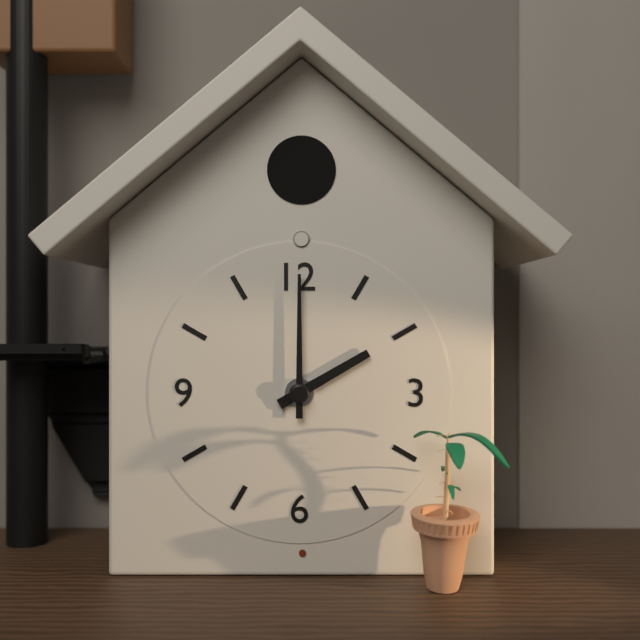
2:00
